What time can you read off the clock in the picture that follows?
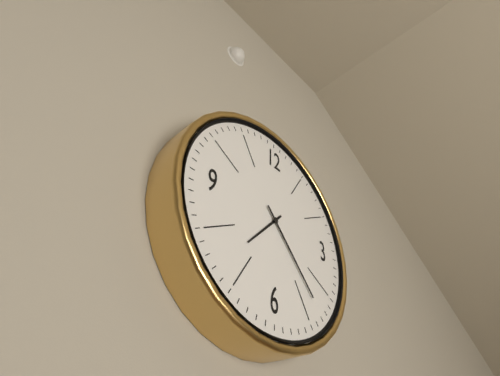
7:23
